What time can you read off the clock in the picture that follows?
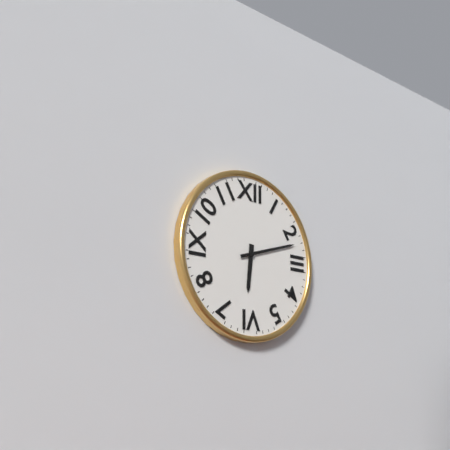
6:12
